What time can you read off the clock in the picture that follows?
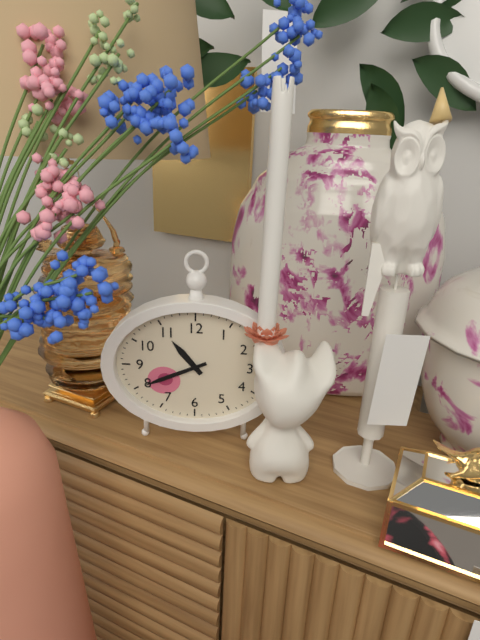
10:41
